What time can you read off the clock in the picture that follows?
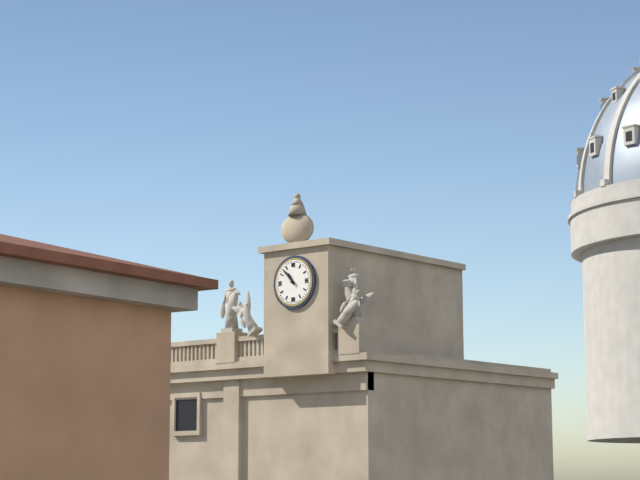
10:53
